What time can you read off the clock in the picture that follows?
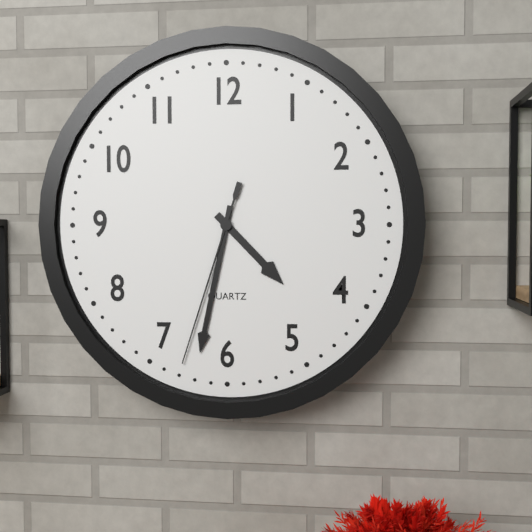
4:32:33
